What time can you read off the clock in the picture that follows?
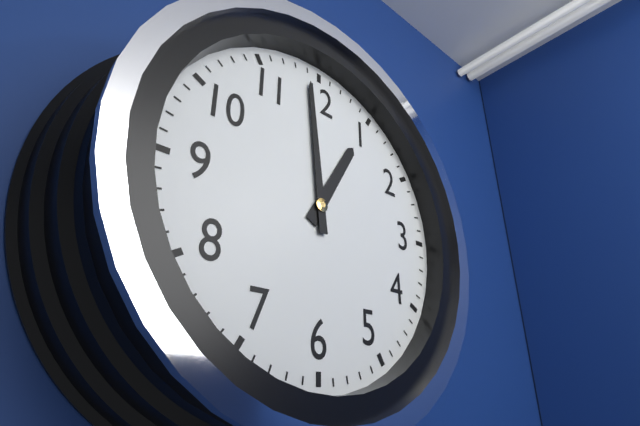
12:59
